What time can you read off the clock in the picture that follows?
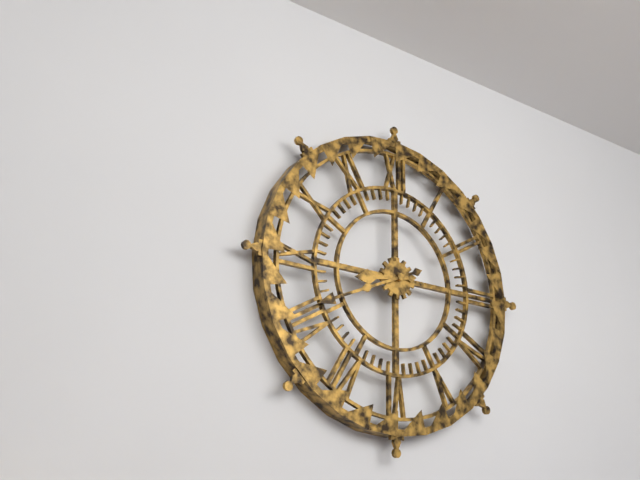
8:41
